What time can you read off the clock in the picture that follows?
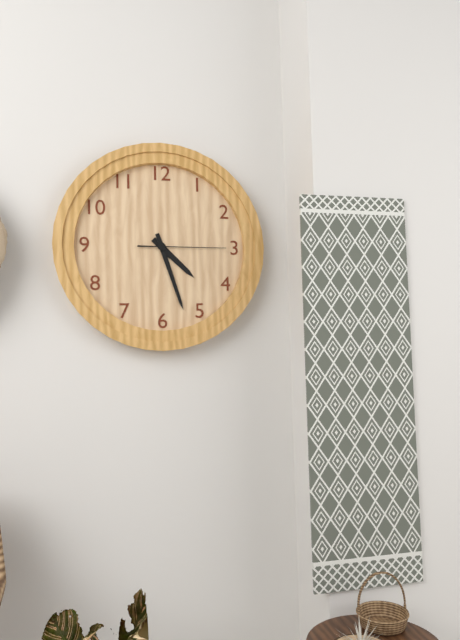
4:27:15
